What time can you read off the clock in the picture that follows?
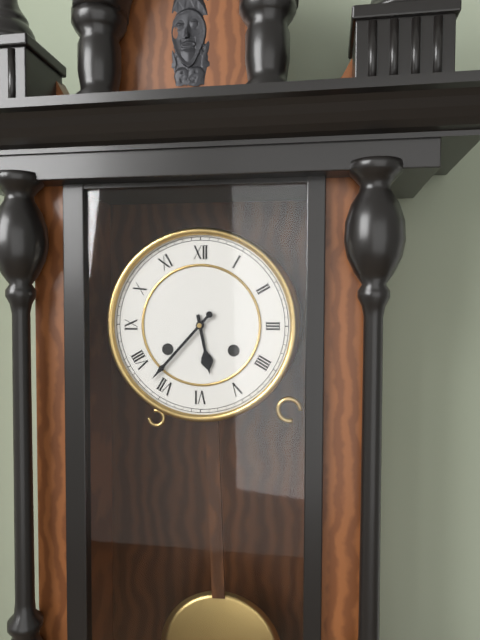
5:37
